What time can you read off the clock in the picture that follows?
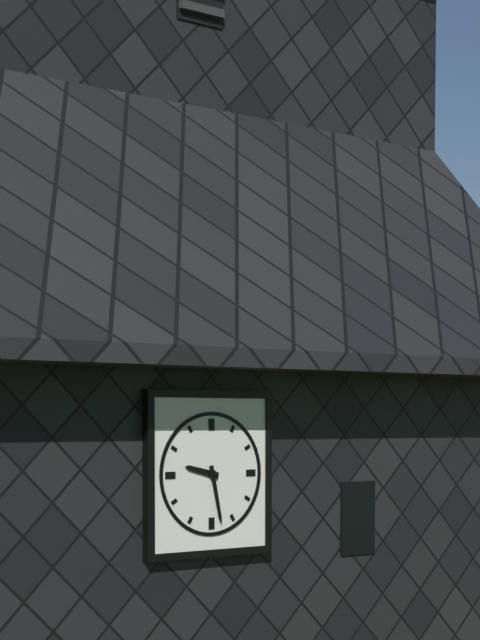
9:28
